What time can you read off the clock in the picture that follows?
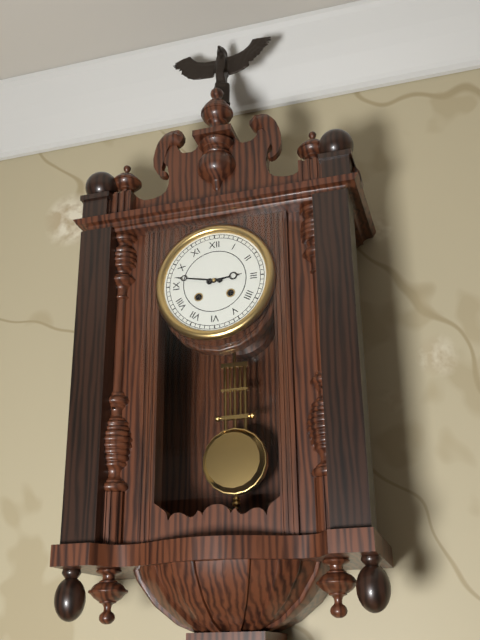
2:47
